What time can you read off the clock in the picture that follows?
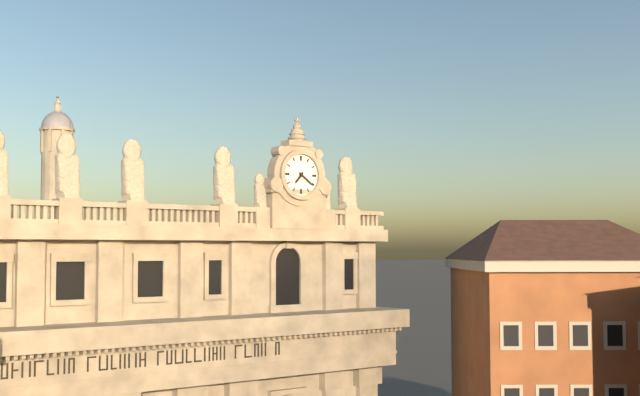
7:21
